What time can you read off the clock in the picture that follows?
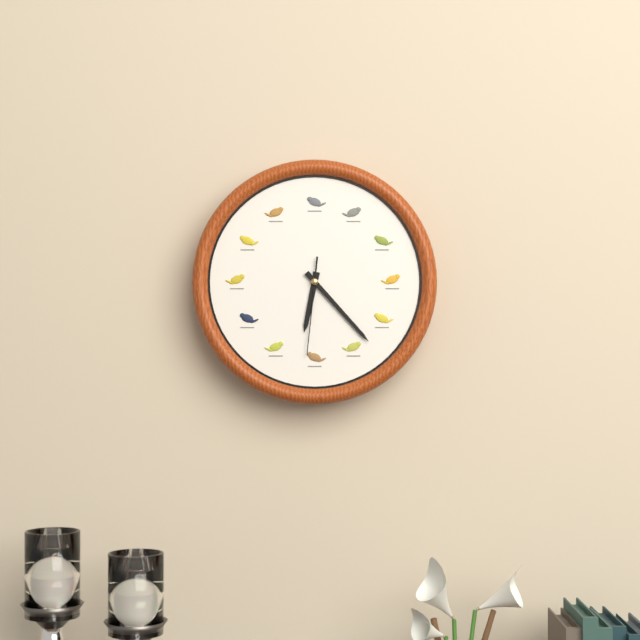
6:23:31
